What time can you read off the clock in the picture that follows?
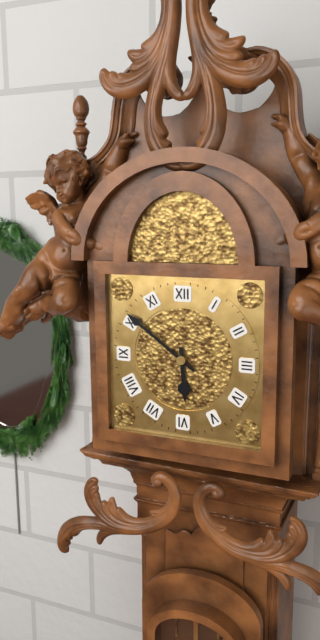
5:51
